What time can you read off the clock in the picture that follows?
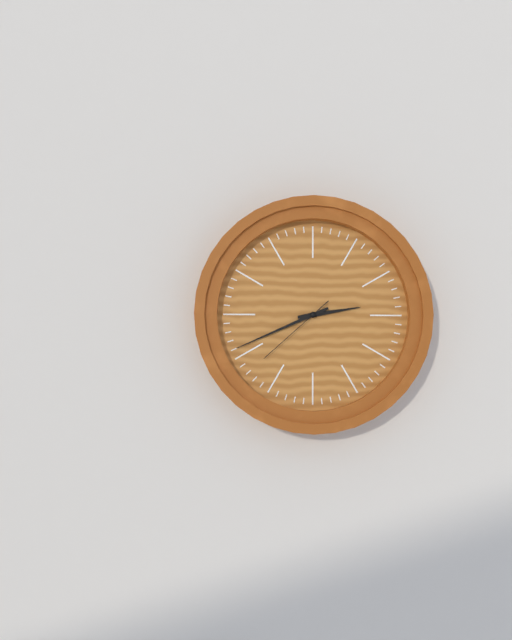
2:41:38
